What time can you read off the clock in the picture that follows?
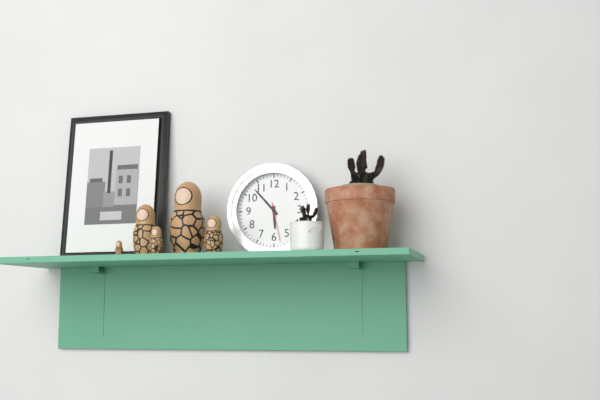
5:53
